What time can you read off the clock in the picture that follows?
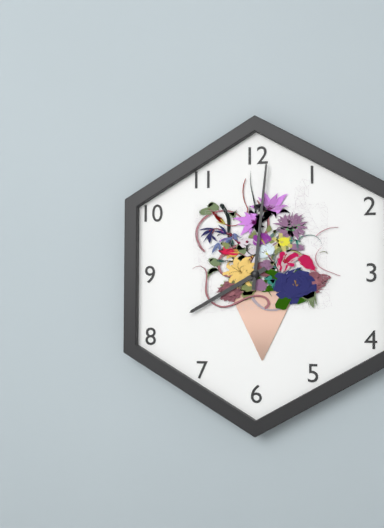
8:01
